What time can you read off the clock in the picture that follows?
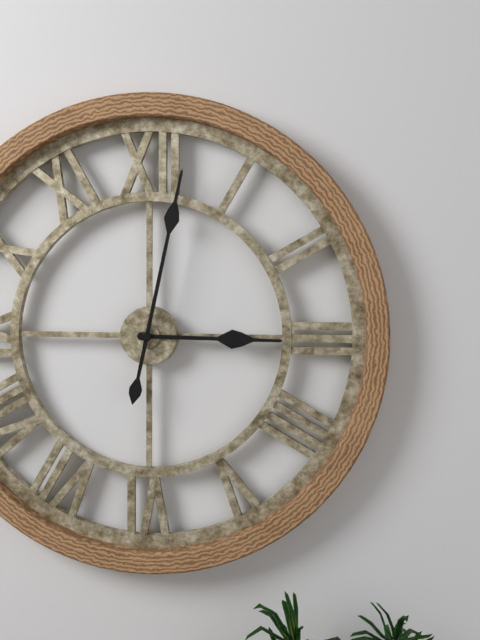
3:02
